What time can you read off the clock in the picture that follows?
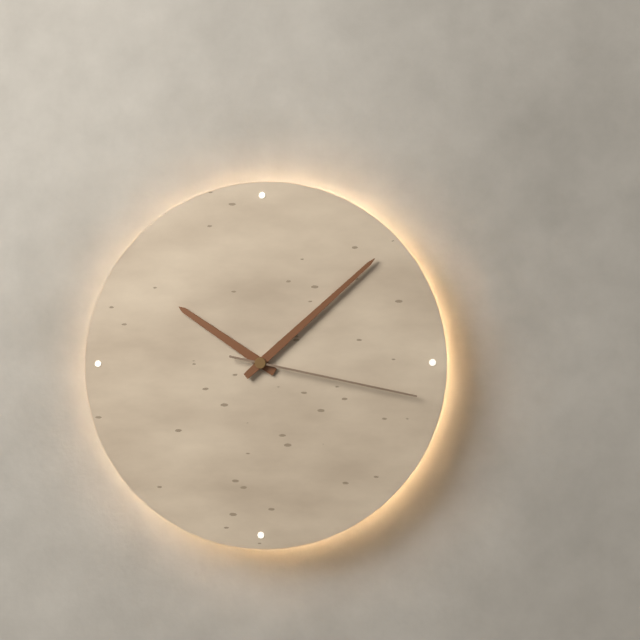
10:08:17
